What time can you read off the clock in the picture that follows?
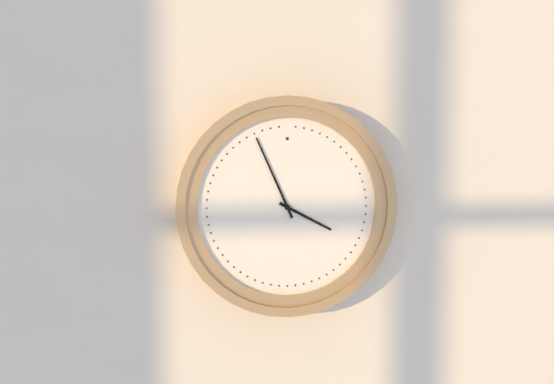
3:56
